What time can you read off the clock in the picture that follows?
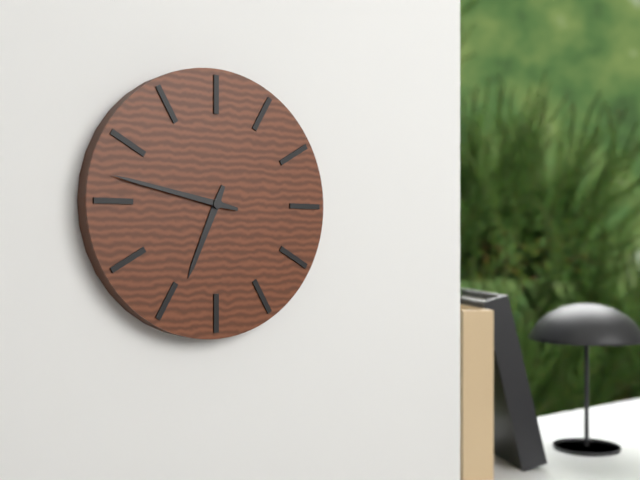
6:47
